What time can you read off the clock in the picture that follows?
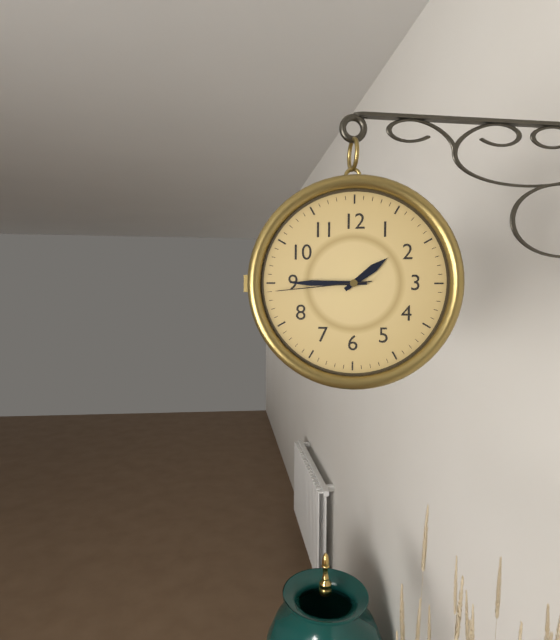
1:45:44
